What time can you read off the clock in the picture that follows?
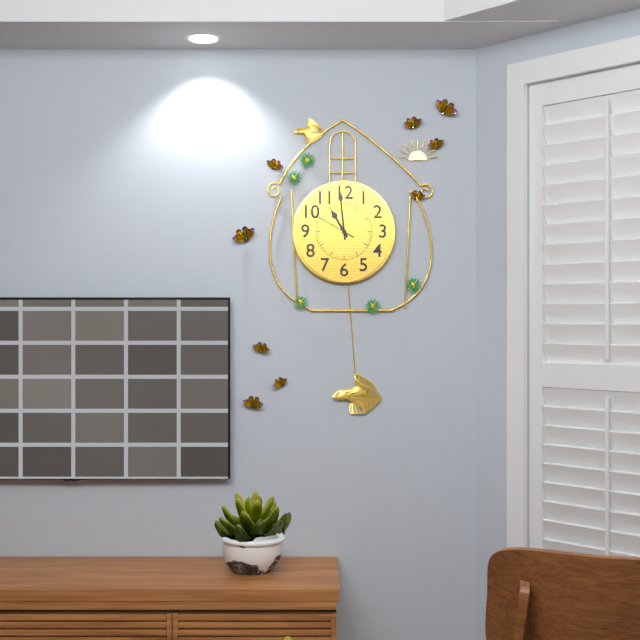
10:59:50
